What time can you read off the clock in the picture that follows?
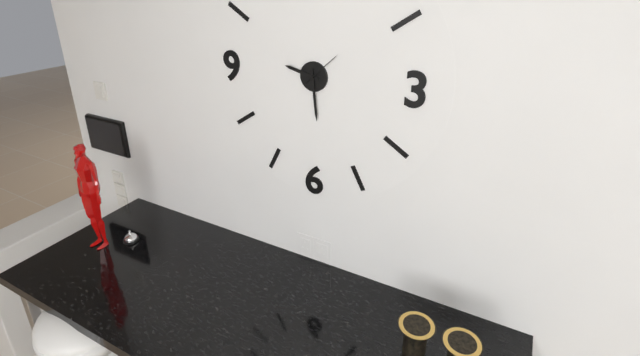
9:29
